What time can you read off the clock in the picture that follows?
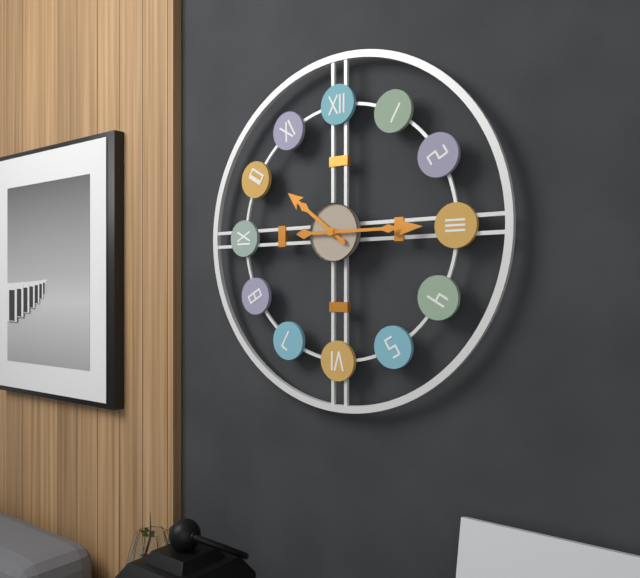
10:15
